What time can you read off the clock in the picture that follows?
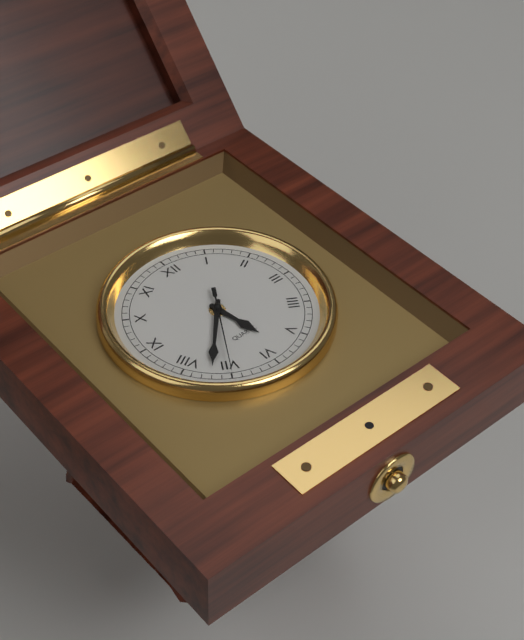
5:37:35
